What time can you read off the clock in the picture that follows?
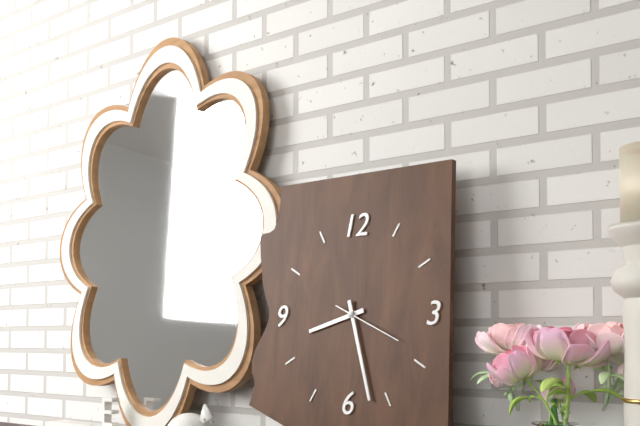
8:27:19
